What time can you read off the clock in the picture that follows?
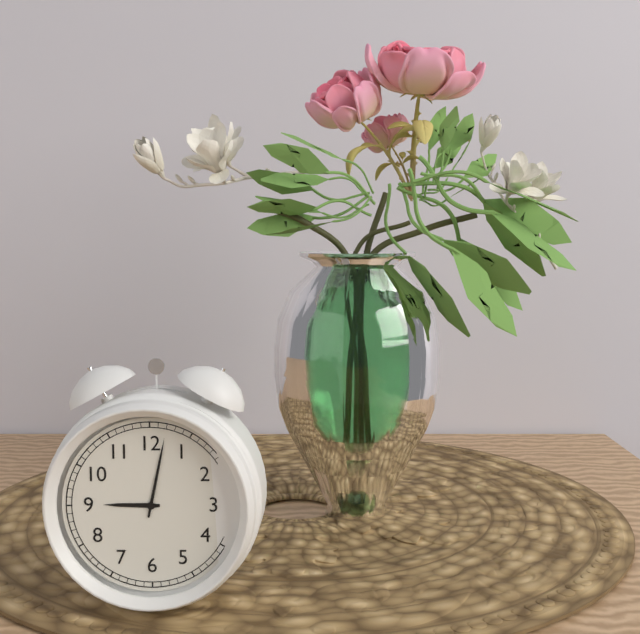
9:02
